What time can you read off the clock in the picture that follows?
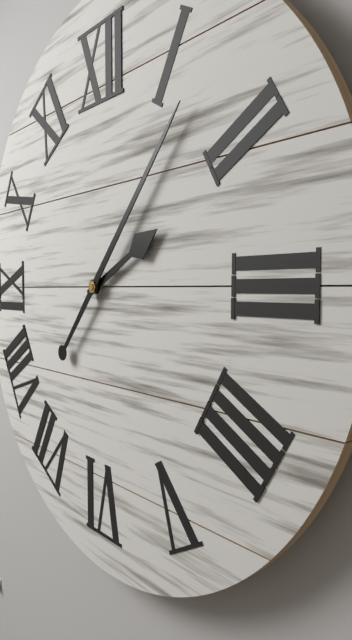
2:07
